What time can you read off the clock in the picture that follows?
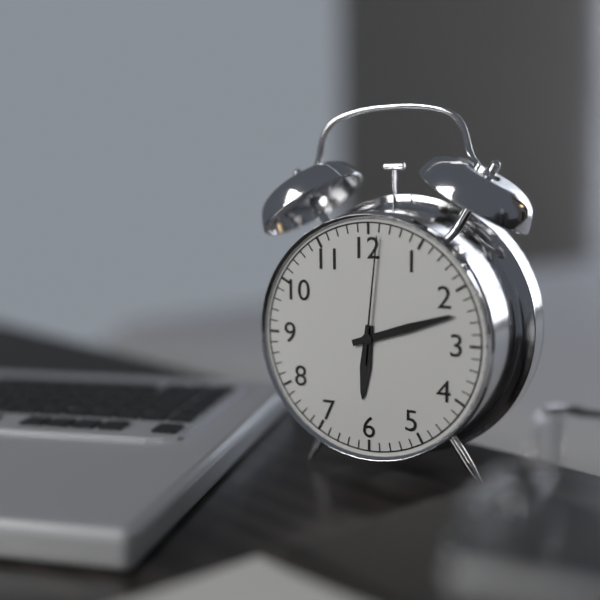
6:12:01
